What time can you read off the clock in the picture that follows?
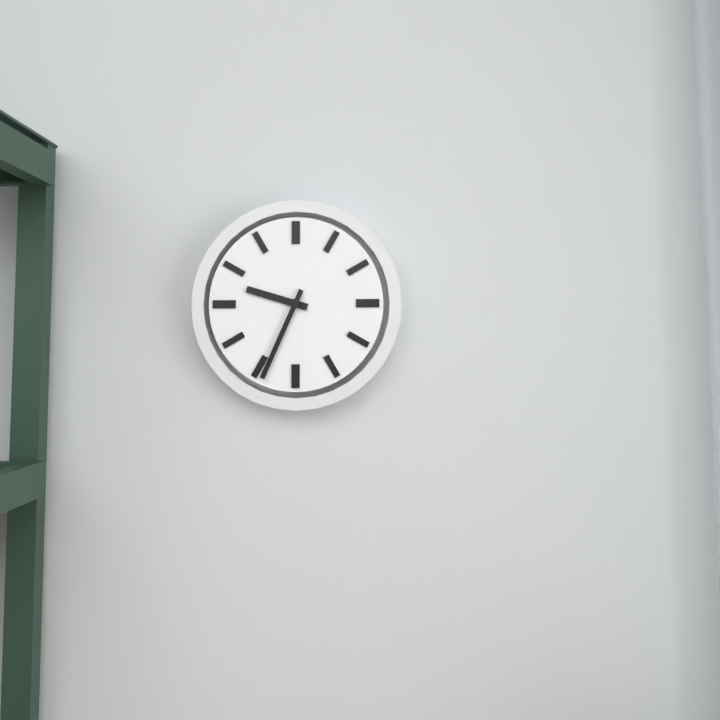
9:34
